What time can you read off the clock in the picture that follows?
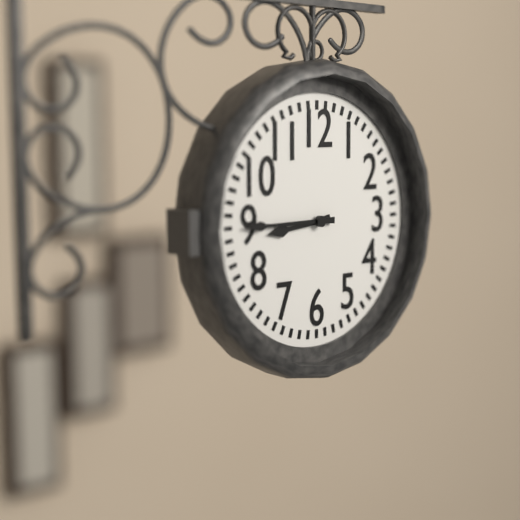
8:45
